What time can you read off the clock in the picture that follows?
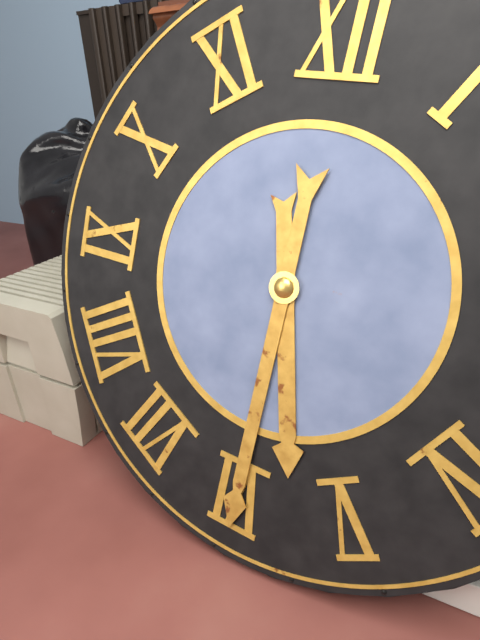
5:30
